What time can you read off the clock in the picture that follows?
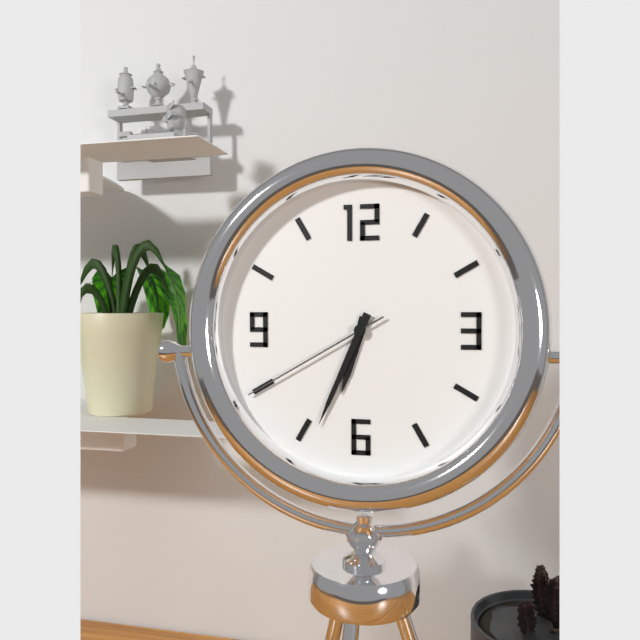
6:34:40
